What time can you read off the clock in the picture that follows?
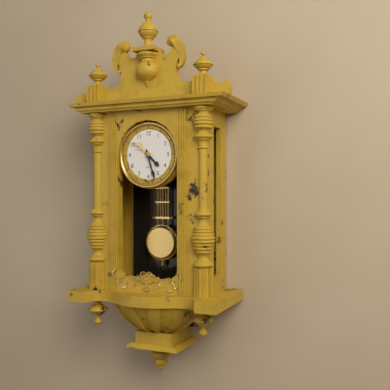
4:27
